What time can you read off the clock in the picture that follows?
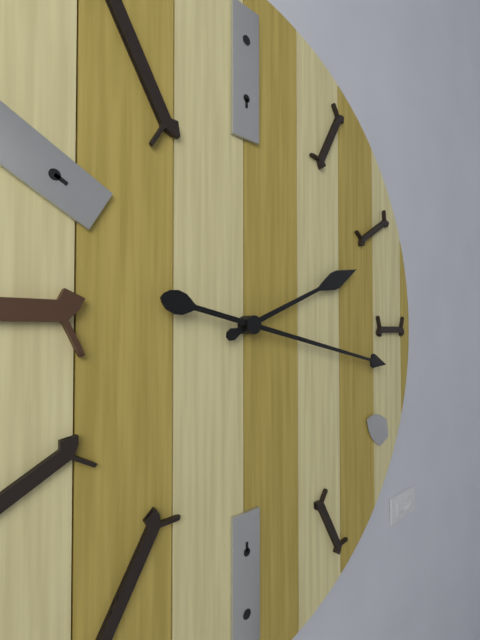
2:17
